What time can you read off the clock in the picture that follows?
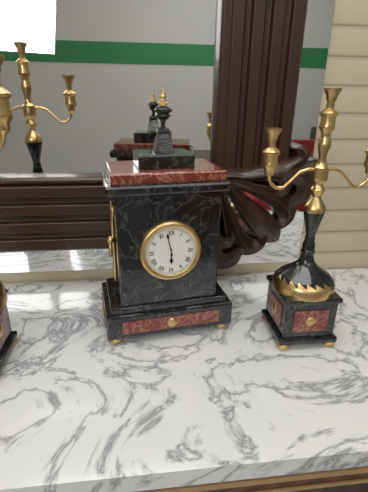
5:58
